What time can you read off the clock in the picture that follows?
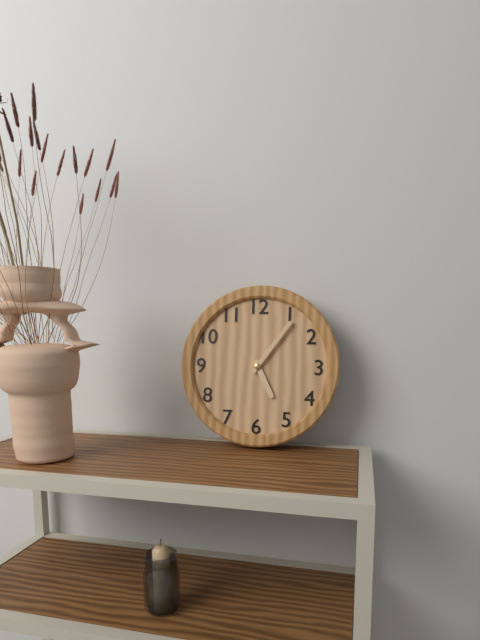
5:06
